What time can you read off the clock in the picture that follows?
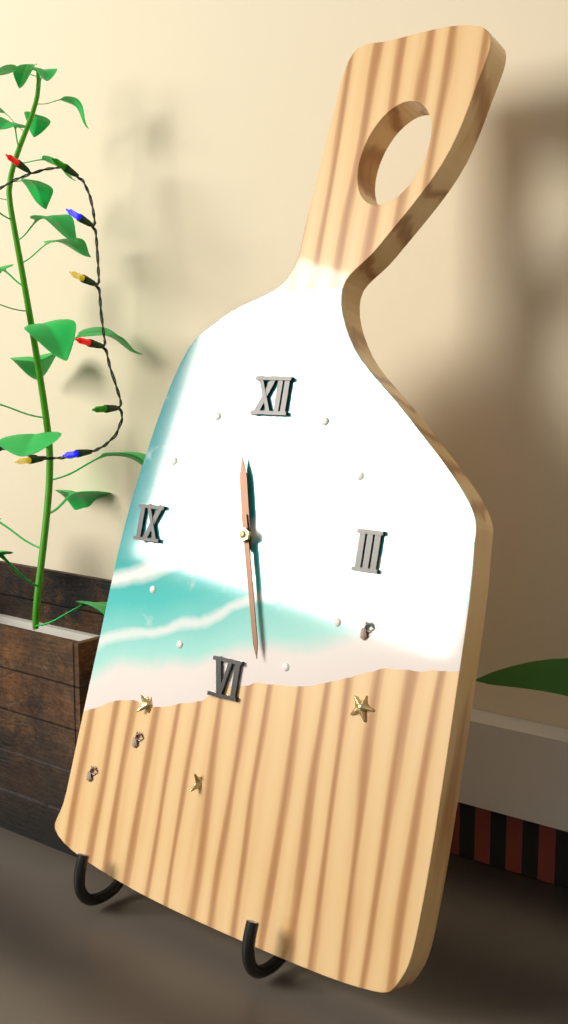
11:27
